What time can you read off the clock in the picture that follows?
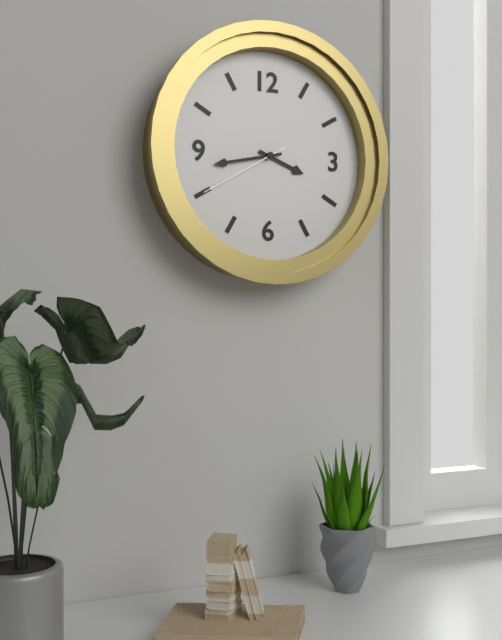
3:43:40
